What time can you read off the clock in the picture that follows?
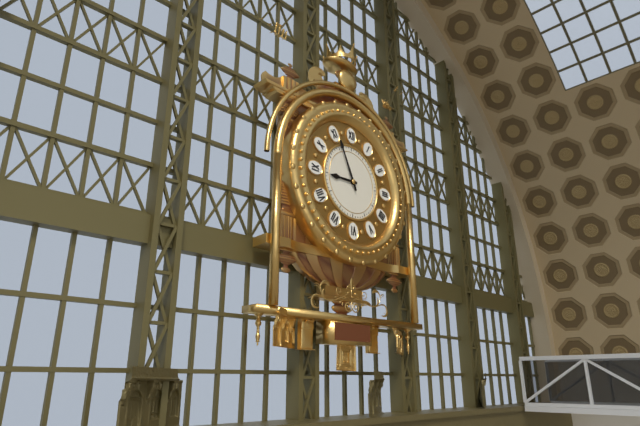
8:56
